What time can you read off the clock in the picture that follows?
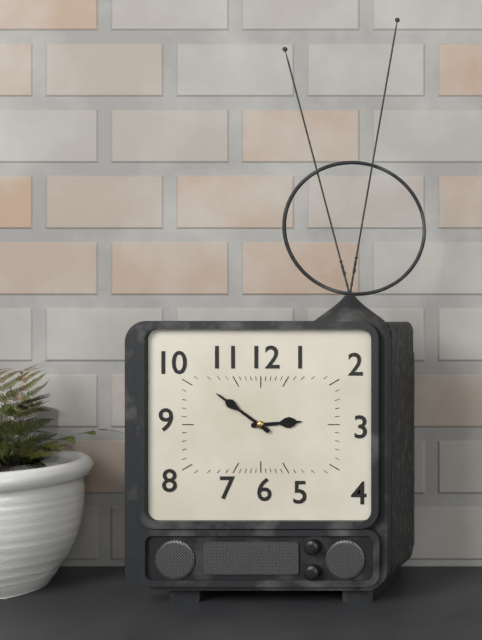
2:51
